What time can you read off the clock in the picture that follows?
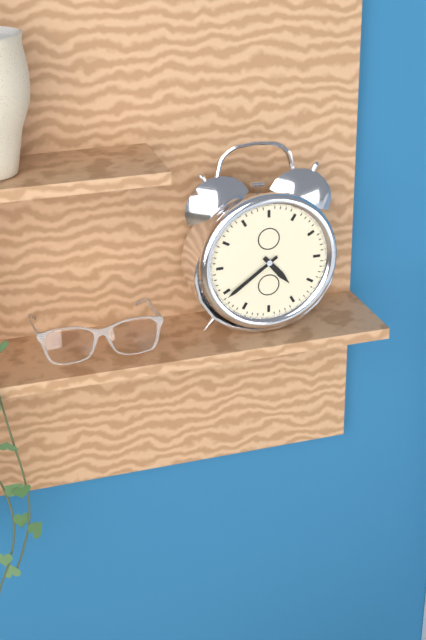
4:39
